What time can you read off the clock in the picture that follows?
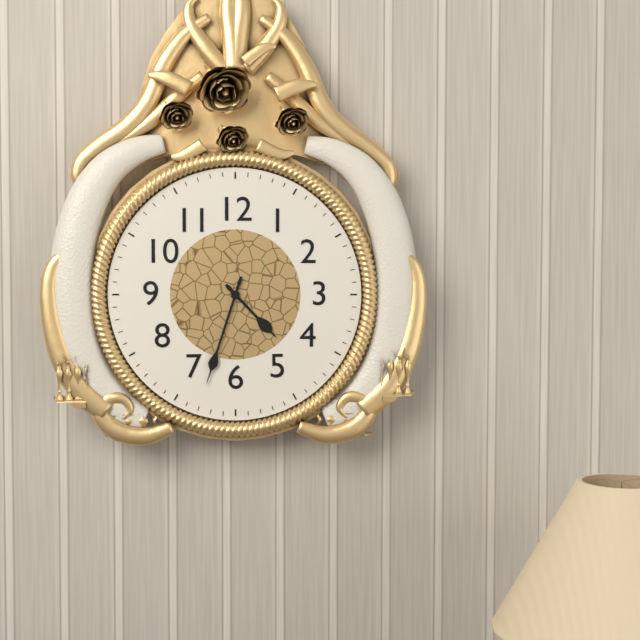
4:33
